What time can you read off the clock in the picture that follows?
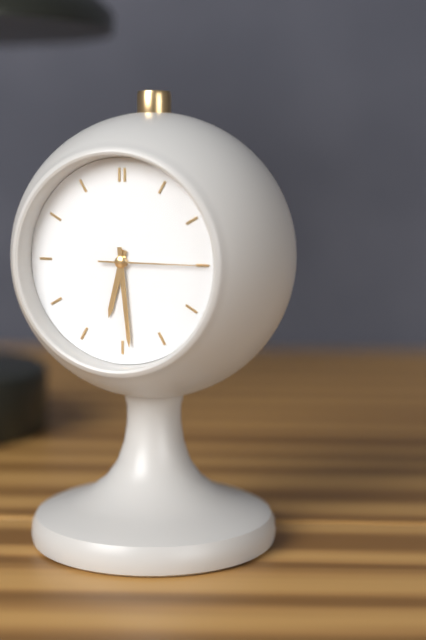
6:29:15
